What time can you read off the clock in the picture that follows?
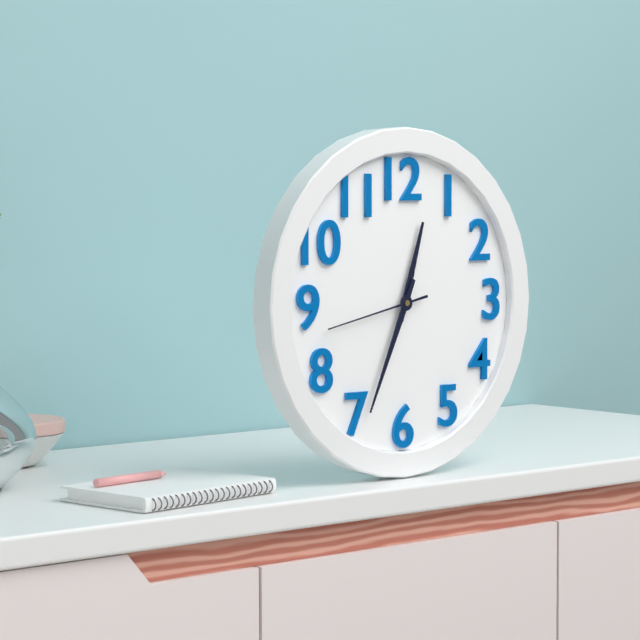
12:34:43
